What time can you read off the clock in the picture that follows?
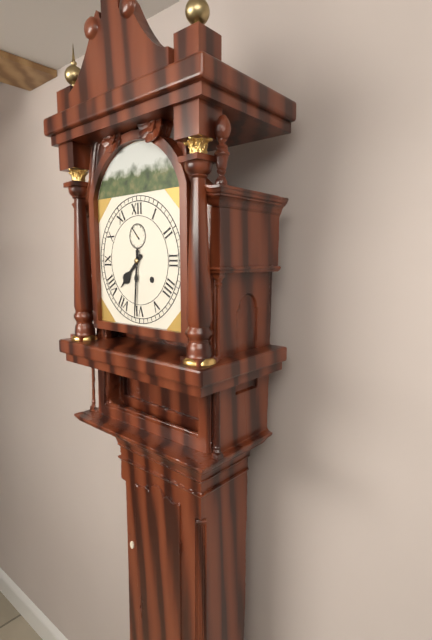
7:31
